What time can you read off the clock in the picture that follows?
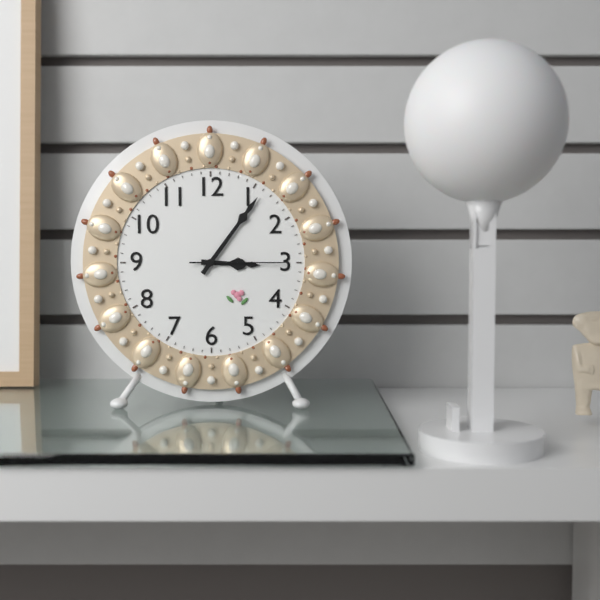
3:06:15
